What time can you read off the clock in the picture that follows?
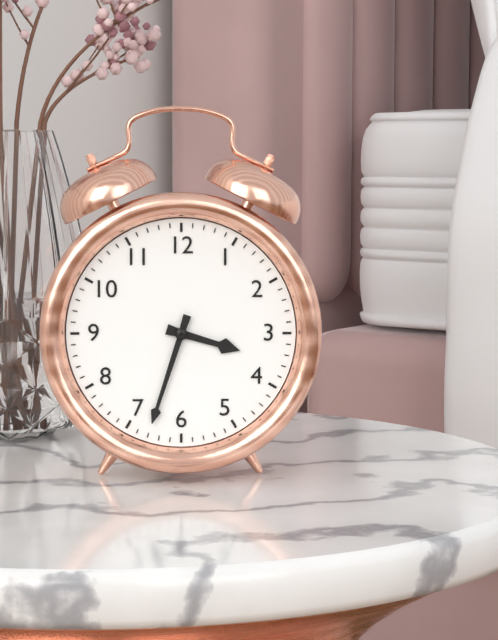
3:33
